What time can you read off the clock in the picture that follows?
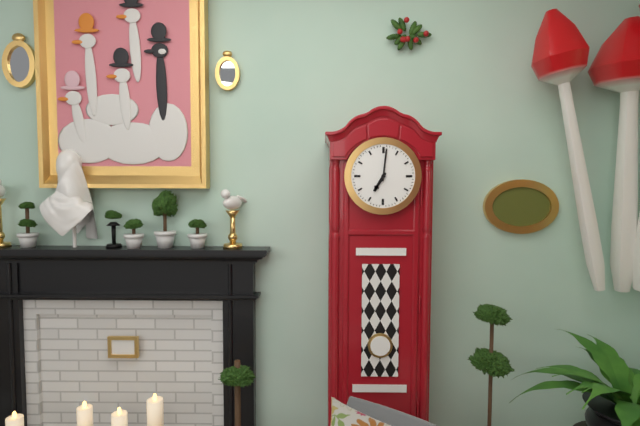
7:01
